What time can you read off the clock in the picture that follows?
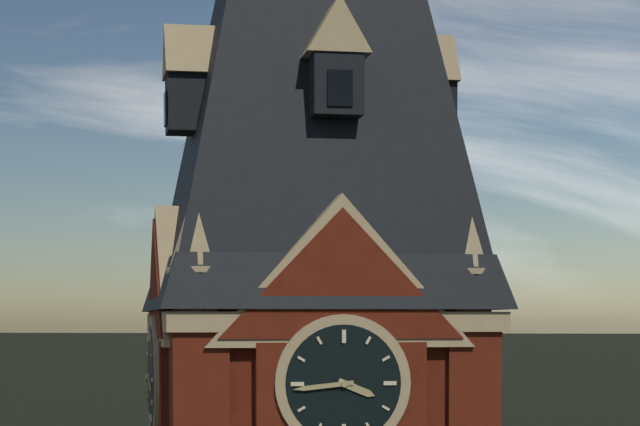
3:44
